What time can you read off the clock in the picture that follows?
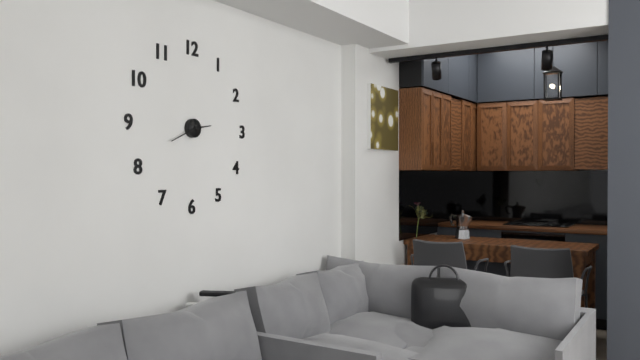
2:41
